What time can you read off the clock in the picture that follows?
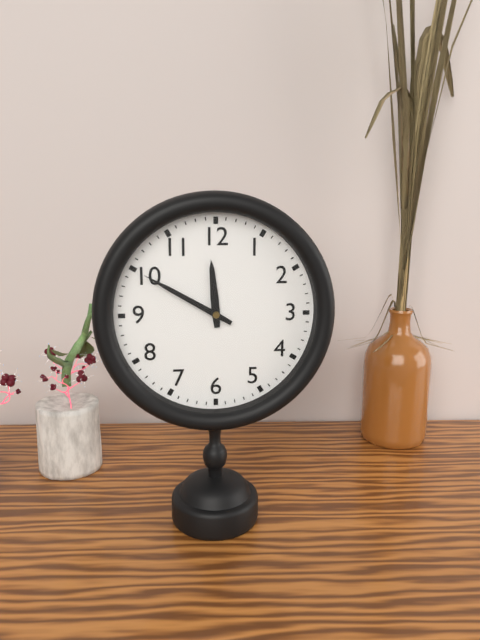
11:50
